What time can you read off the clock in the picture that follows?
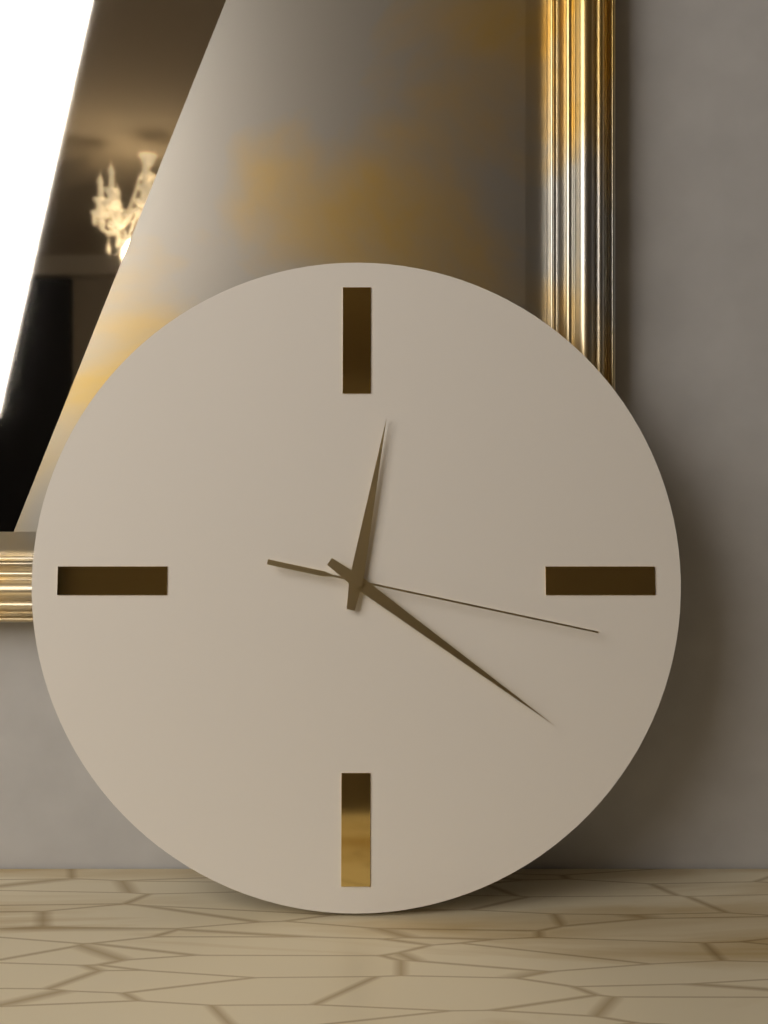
12:21:17
